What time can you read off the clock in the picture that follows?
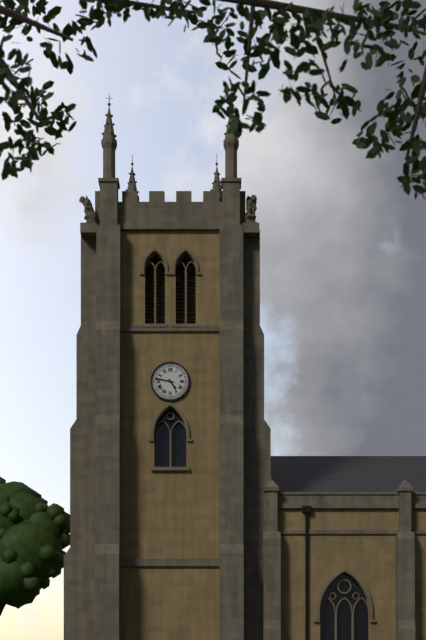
4:47
